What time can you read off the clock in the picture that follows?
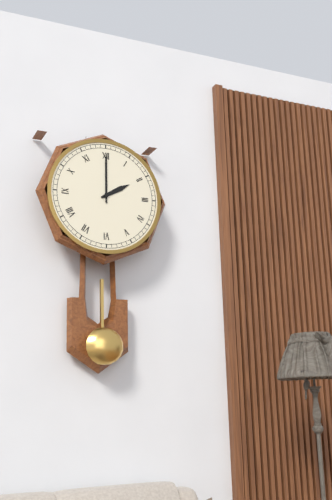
2:00
